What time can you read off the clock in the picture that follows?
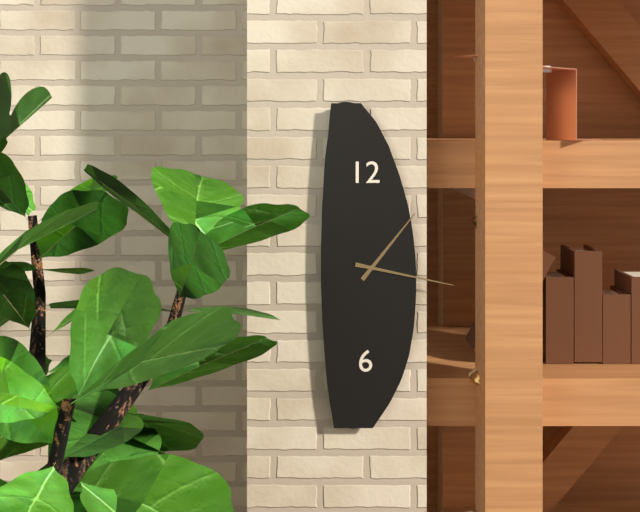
1:17
